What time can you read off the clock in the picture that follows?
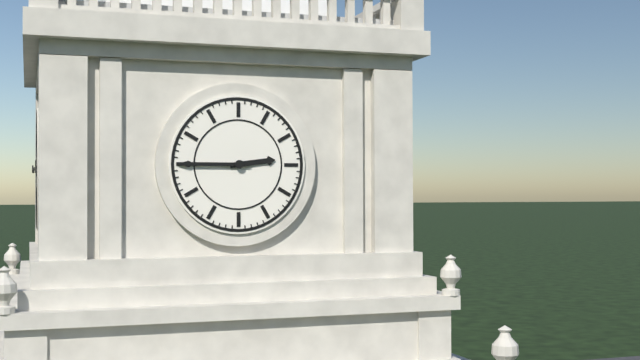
2:45
